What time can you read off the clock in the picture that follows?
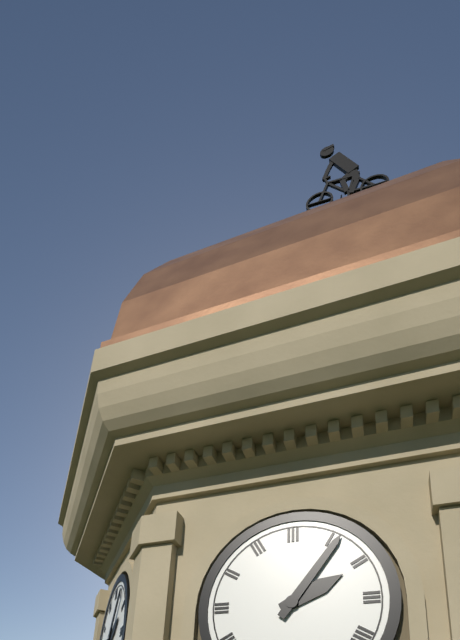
2:06
